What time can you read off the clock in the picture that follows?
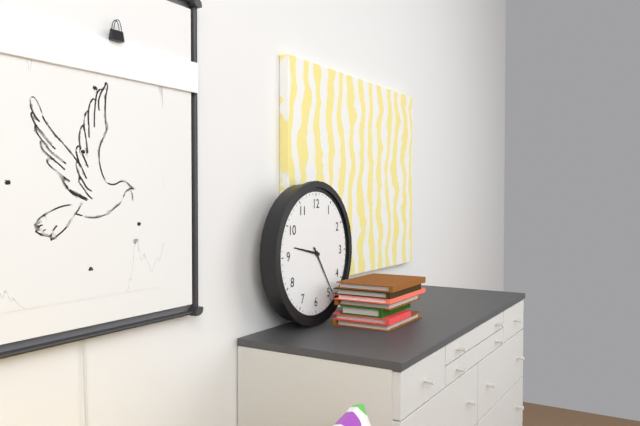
9:24
